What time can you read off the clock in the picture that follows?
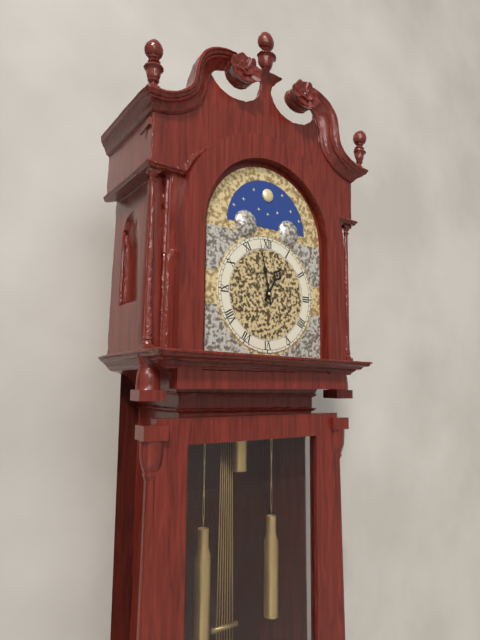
12:58
